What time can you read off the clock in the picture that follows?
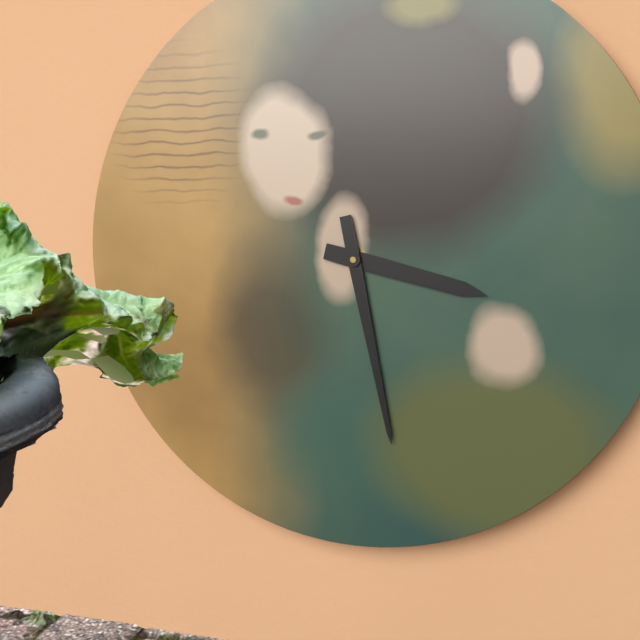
3:28
